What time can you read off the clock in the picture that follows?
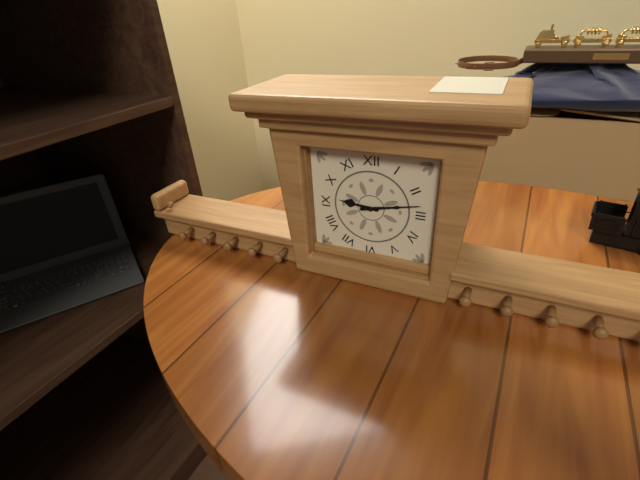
9:13
